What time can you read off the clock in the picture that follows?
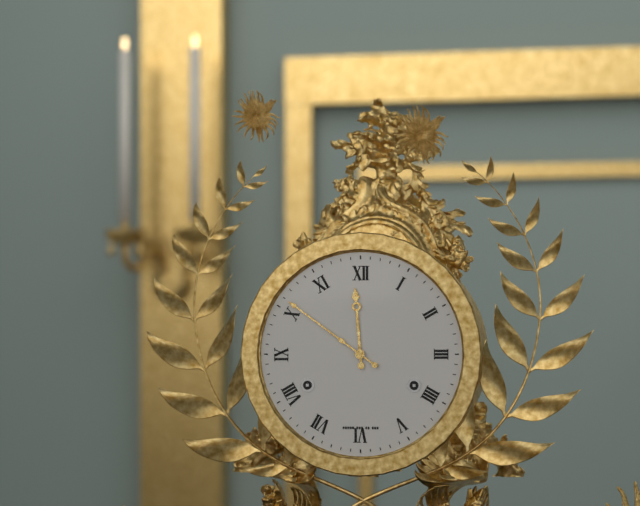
11:51
